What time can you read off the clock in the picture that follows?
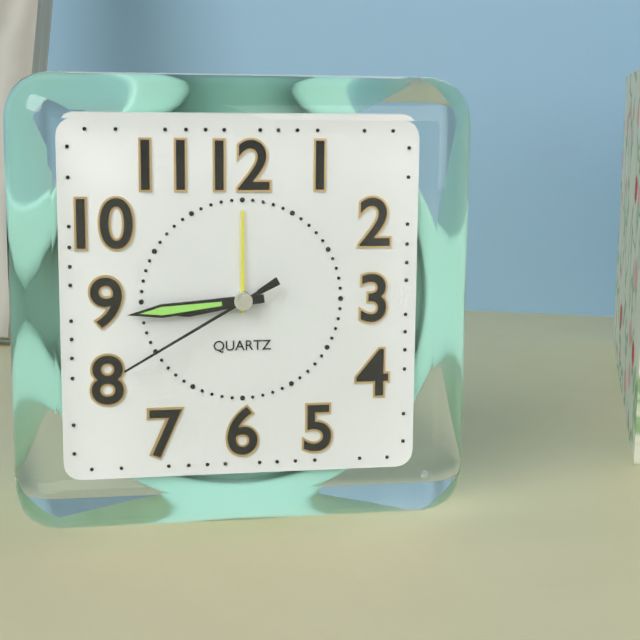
8:44:40
